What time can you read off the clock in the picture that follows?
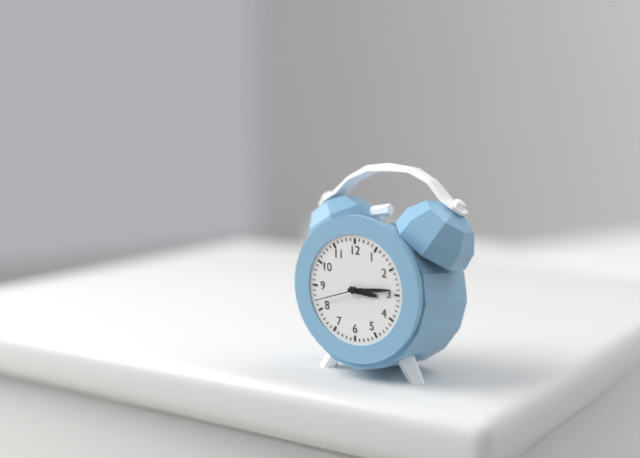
3:14:42
